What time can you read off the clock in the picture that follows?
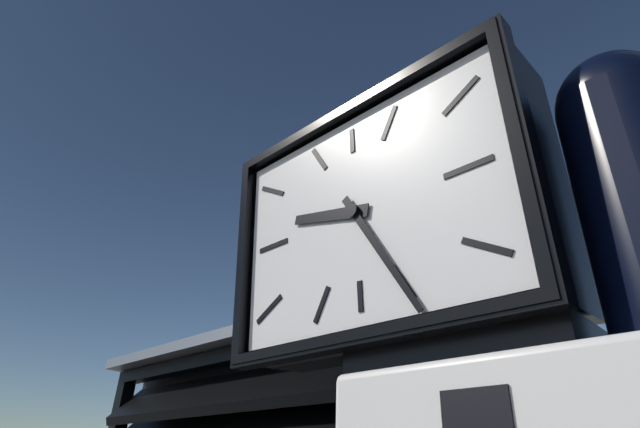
9:25
